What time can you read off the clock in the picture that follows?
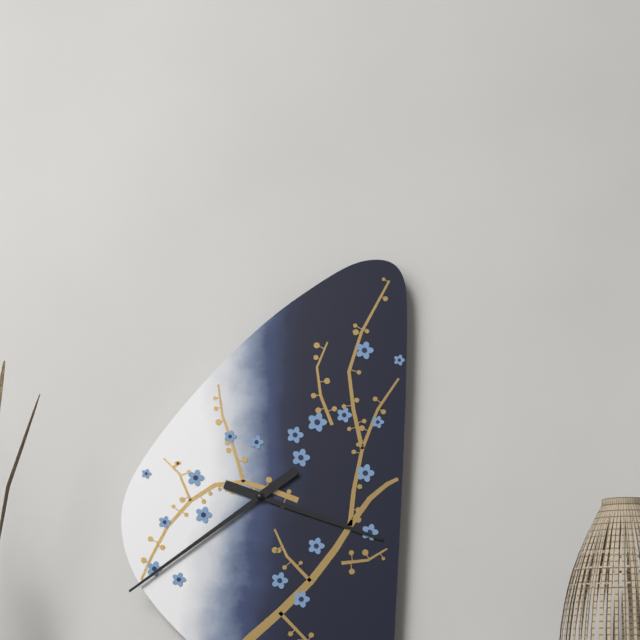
3:39
